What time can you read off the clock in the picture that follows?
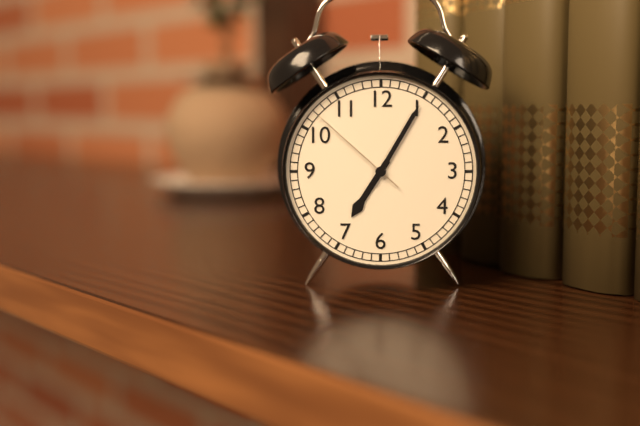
7:05:52
